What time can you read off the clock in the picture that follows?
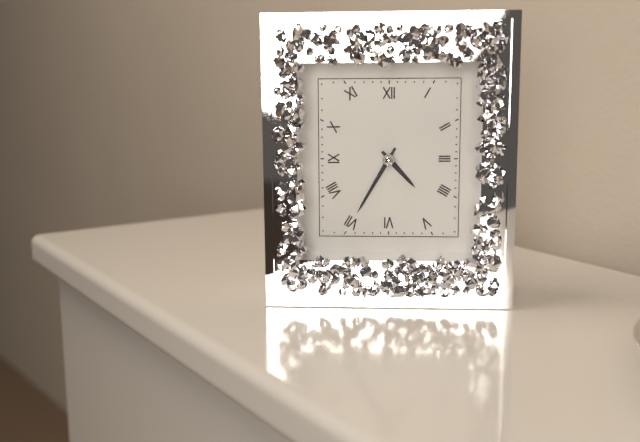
4:35
